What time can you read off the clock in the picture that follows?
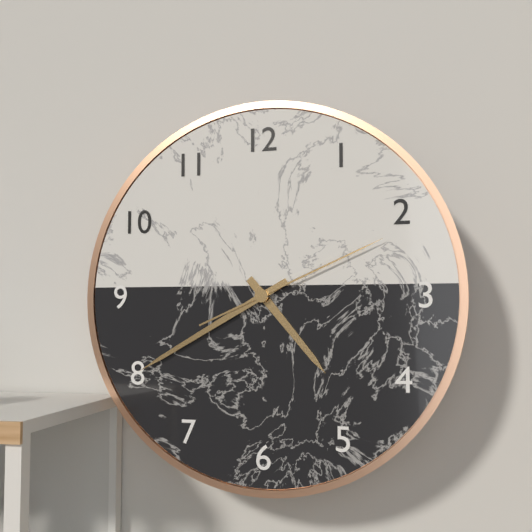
4:40:11
